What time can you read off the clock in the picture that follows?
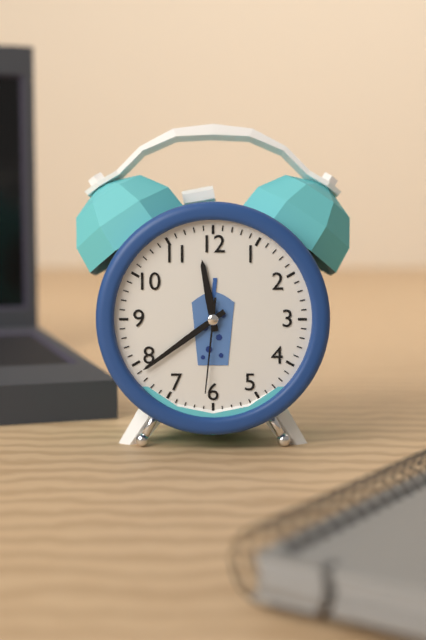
11:39:31
